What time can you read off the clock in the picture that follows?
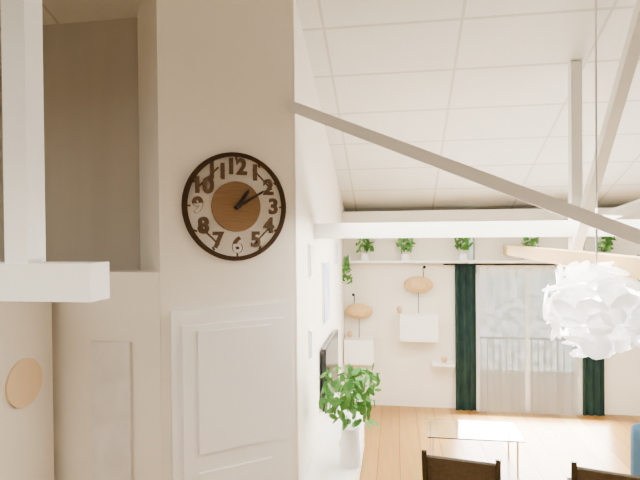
1:10
